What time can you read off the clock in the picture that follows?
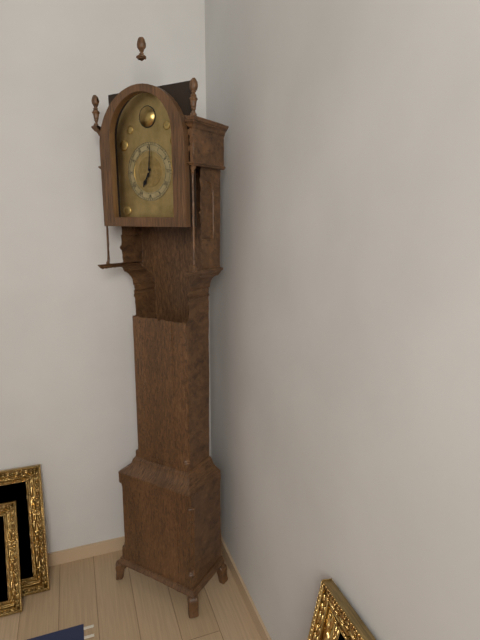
7:01
